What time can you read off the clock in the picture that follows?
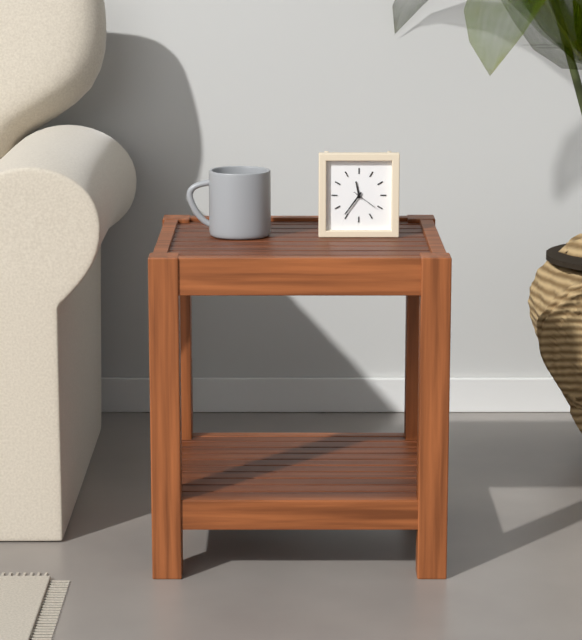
11:36
